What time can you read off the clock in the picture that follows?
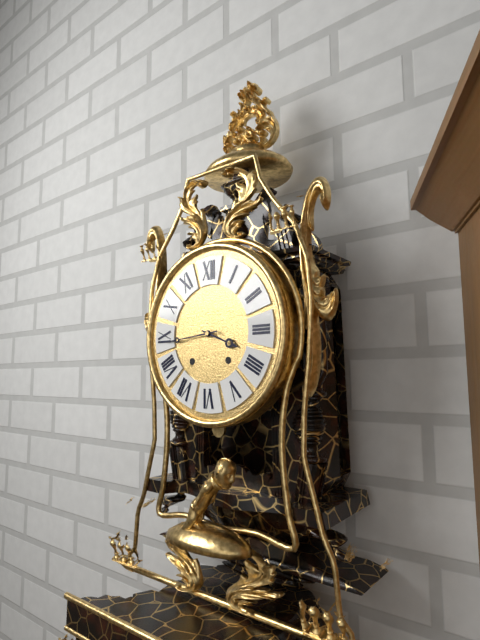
3:44
